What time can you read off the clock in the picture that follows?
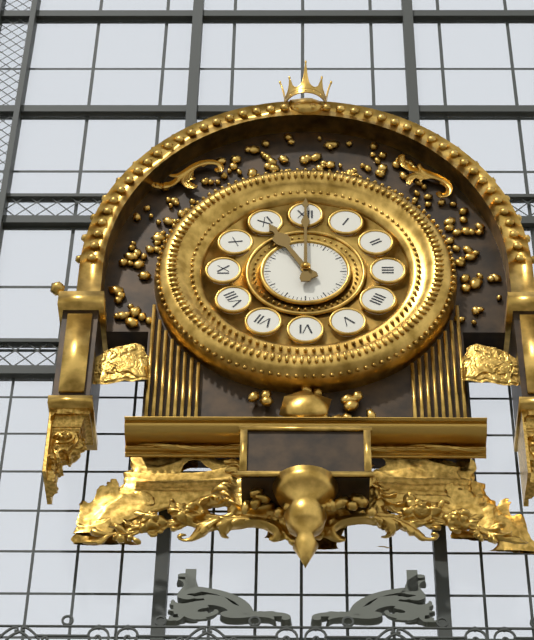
11:00
